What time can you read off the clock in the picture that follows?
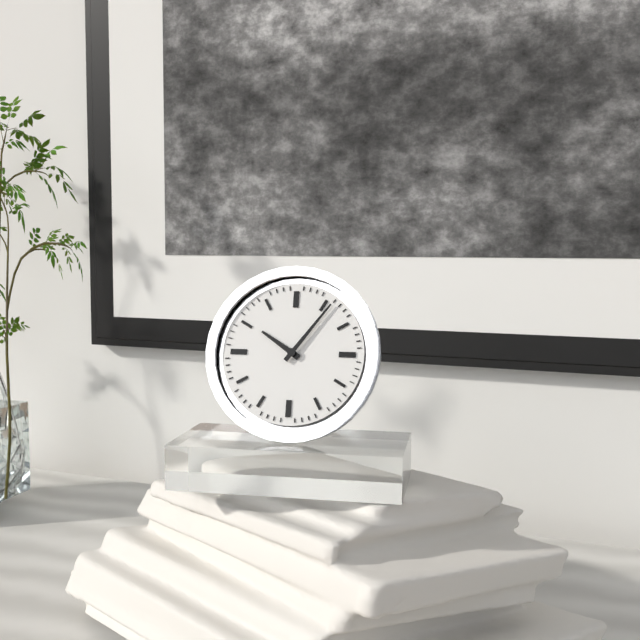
10:06
